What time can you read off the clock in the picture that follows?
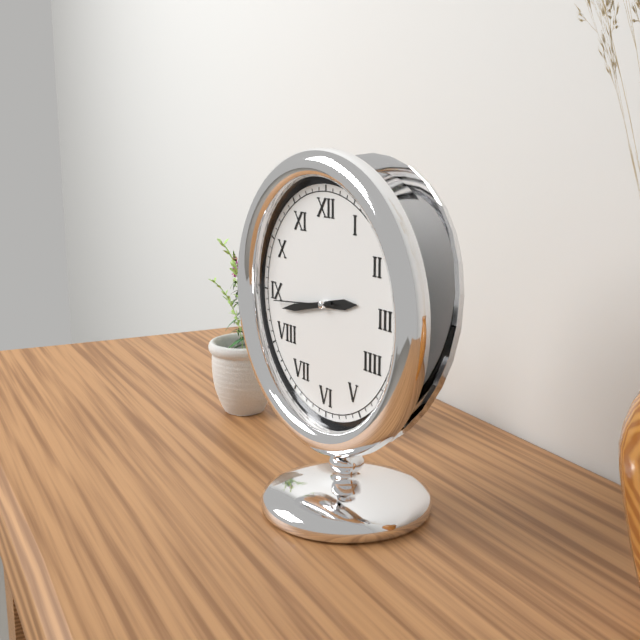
2:43:44
